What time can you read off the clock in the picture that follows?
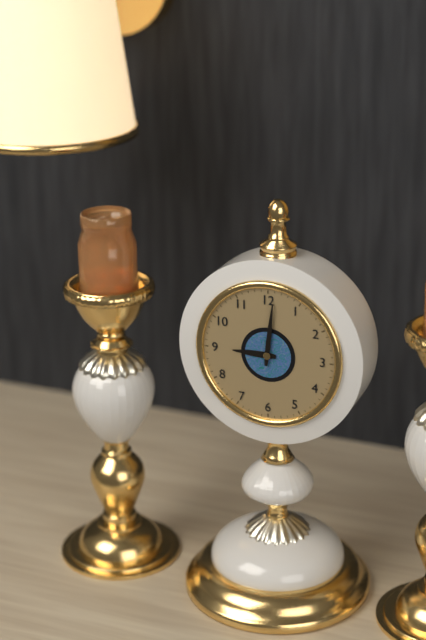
9:01
